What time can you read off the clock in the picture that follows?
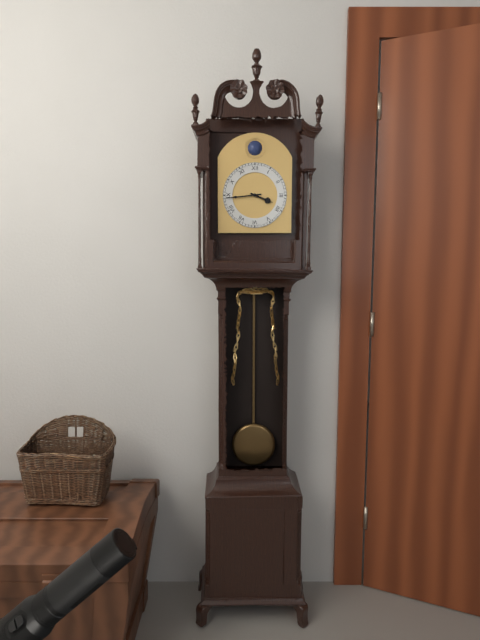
3:44
